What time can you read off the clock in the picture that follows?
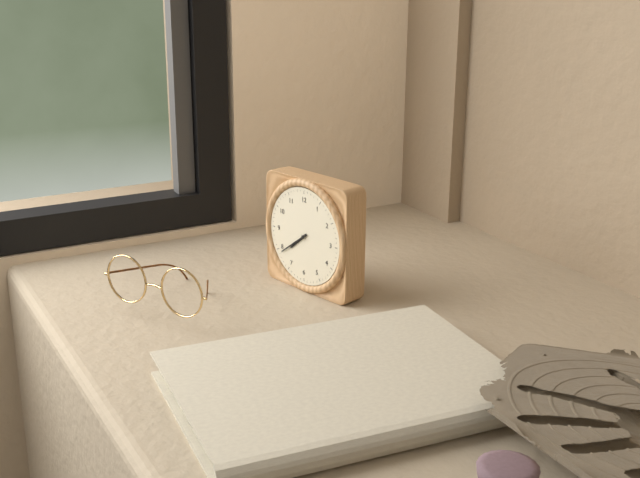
7:39
